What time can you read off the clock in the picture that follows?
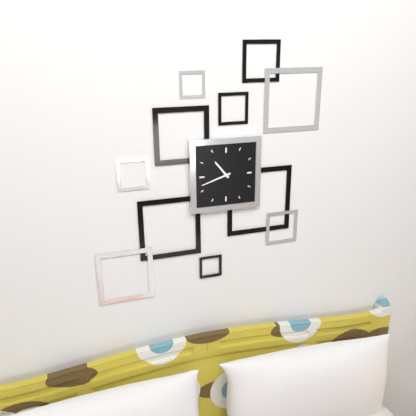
10:42
